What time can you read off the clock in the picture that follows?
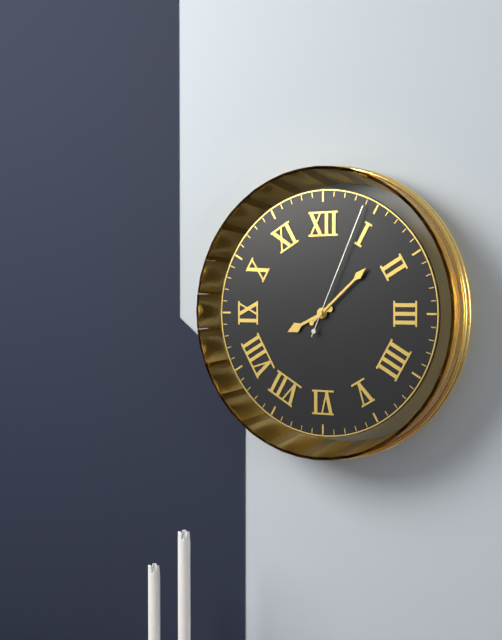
8:08:04
